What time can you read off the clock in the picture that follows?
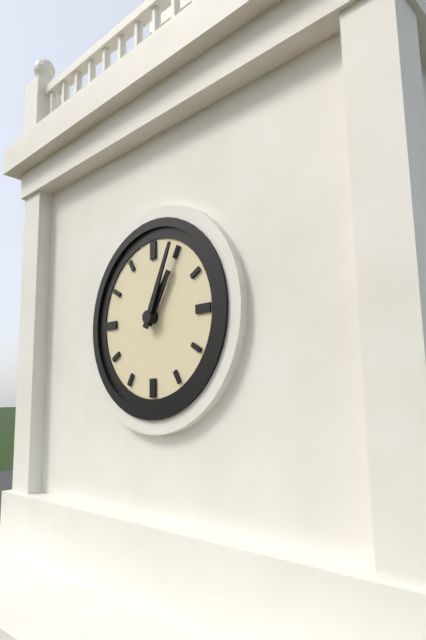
1:04
